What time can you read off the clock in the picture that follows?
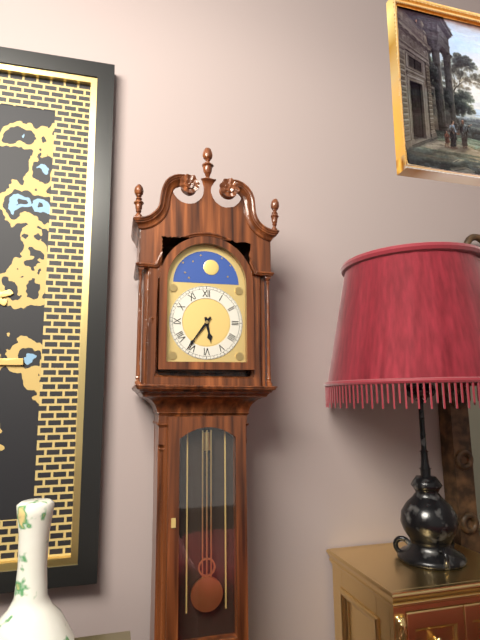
5:36
